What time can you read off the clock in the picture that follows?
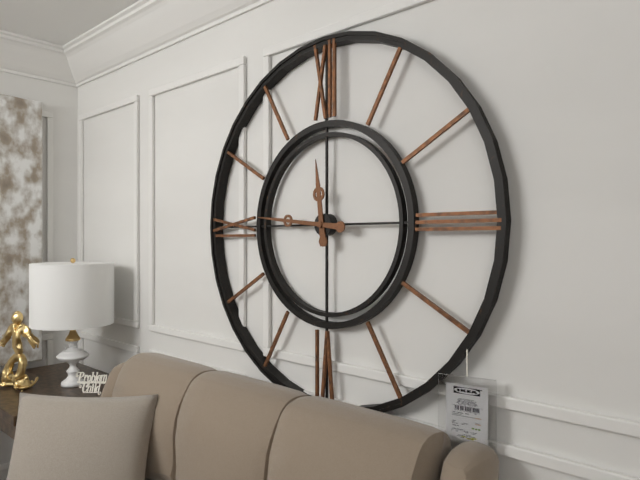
11:46
